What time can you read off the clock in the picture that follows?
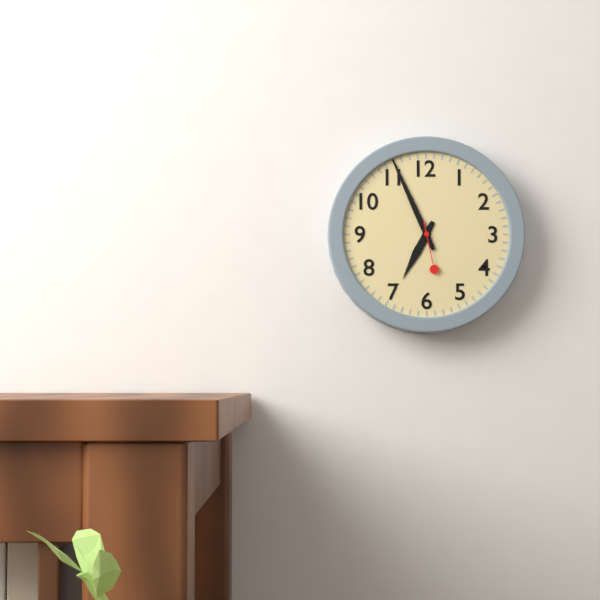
6:56:28
